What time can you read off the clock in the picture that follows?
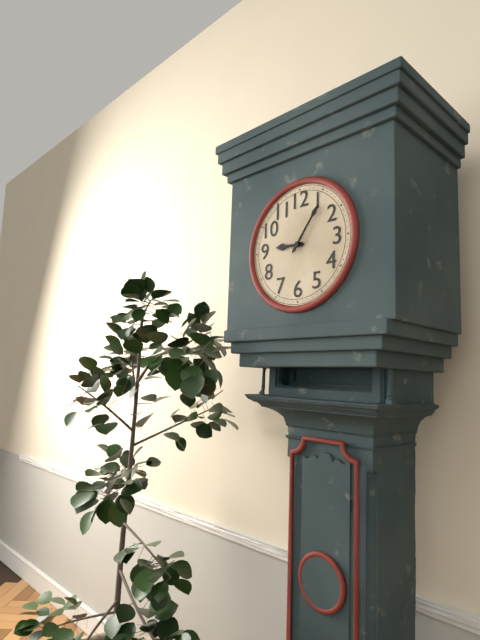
9:06
